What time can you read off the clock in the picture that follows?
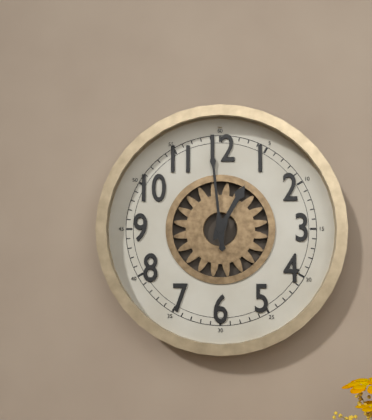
12:59
